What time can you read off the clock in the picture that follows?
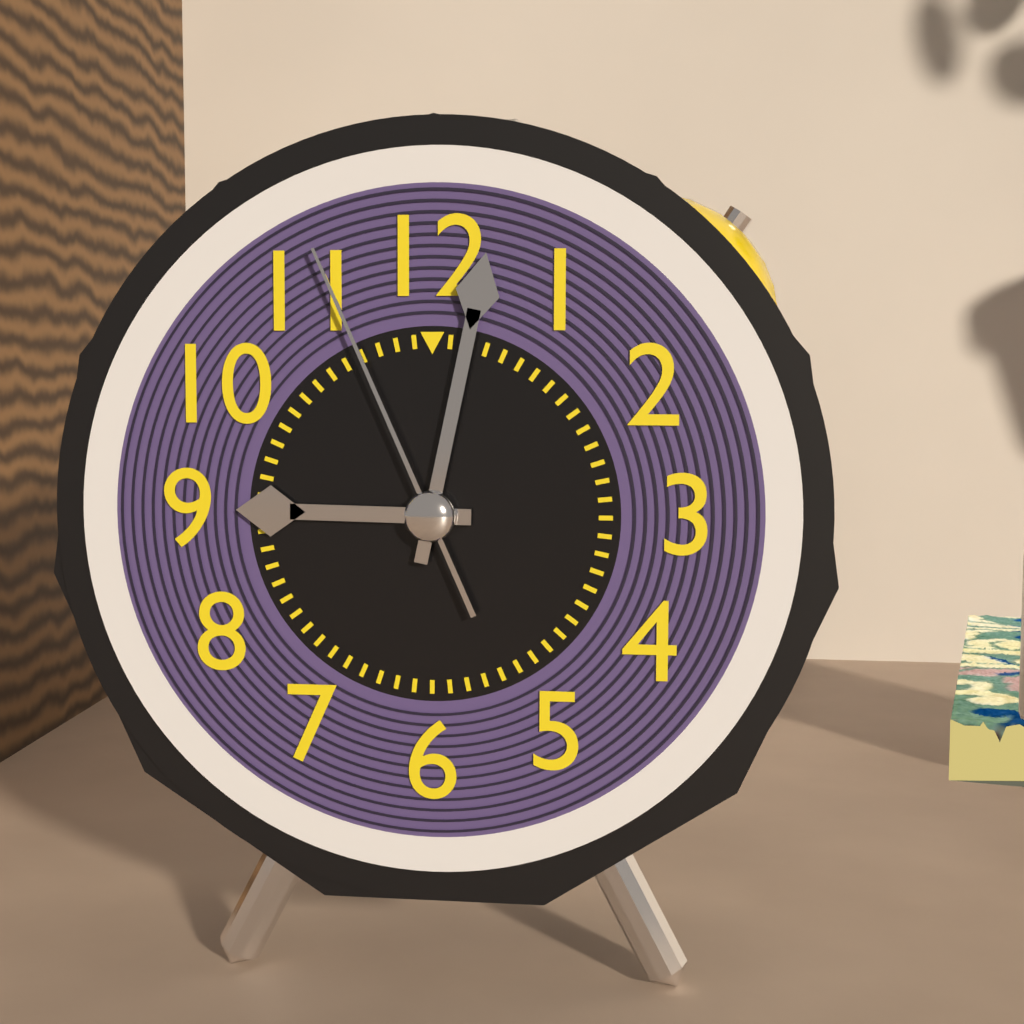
9:02:56
